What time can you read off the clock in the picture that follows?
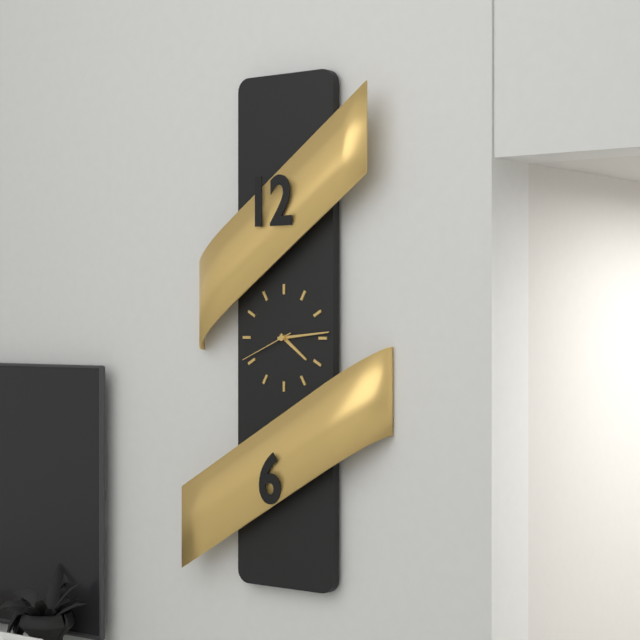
4:14:41
